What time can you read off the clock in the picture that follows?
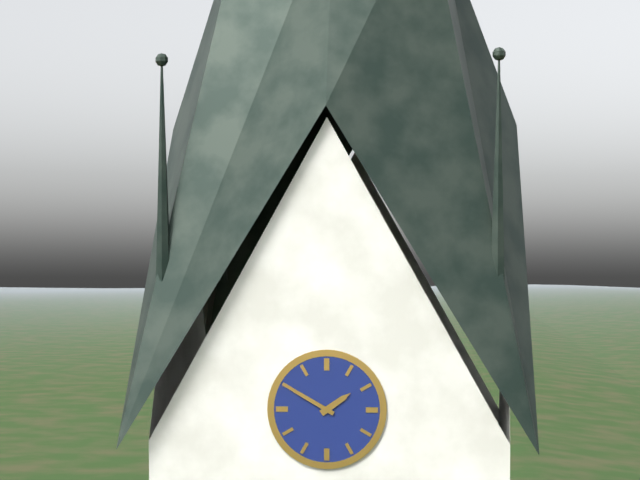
1:50
